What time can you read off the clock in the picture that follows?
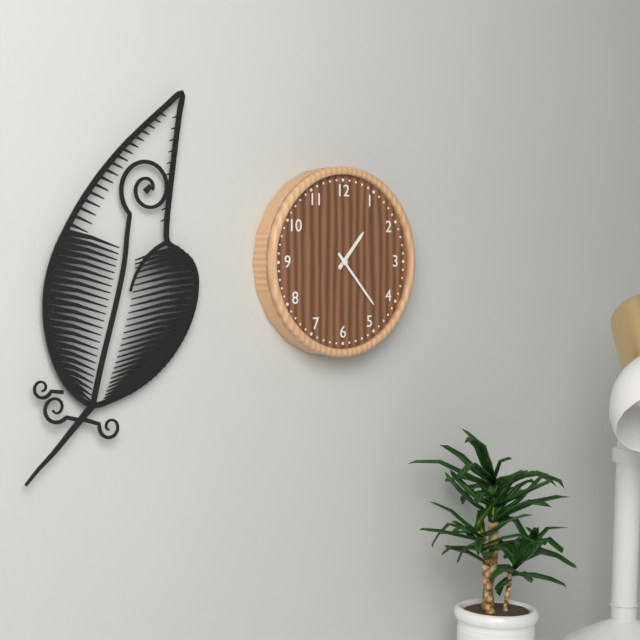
1:23
